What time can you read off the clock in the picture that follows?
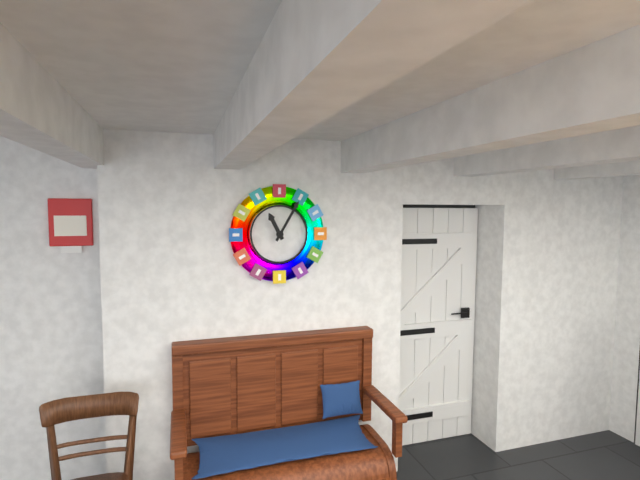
11:05
